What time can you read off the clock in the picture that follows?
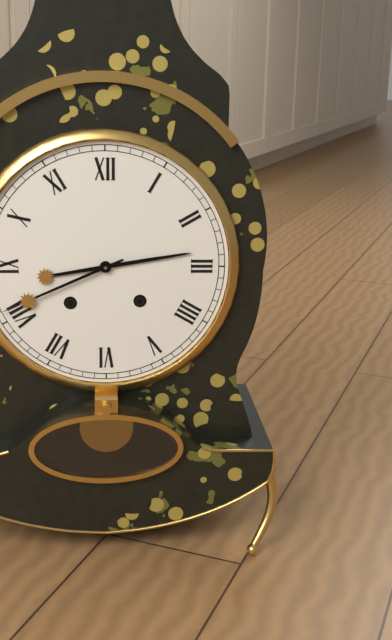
2:41
